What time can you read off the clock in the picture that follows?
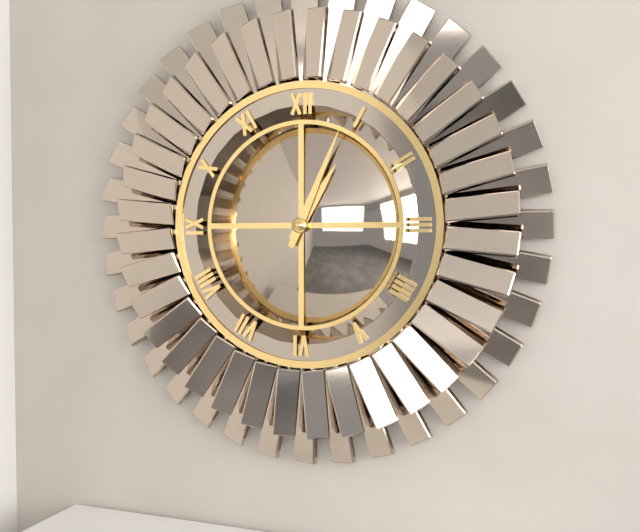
1:04
